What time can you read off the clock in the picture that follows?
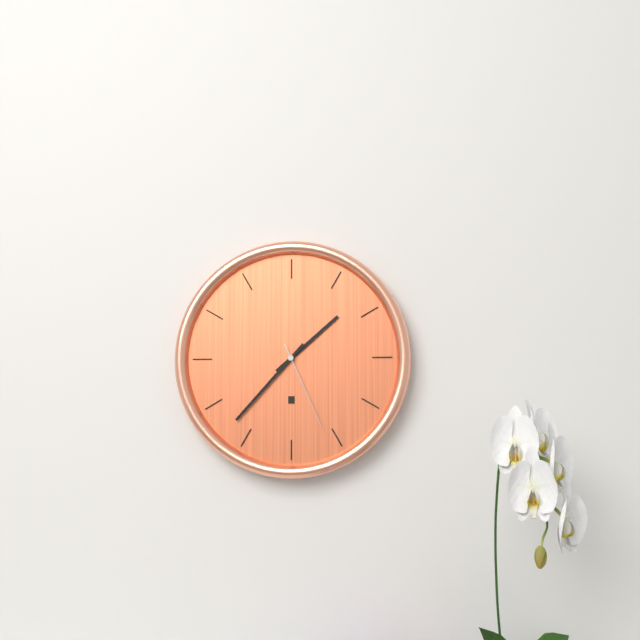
1:37:26
